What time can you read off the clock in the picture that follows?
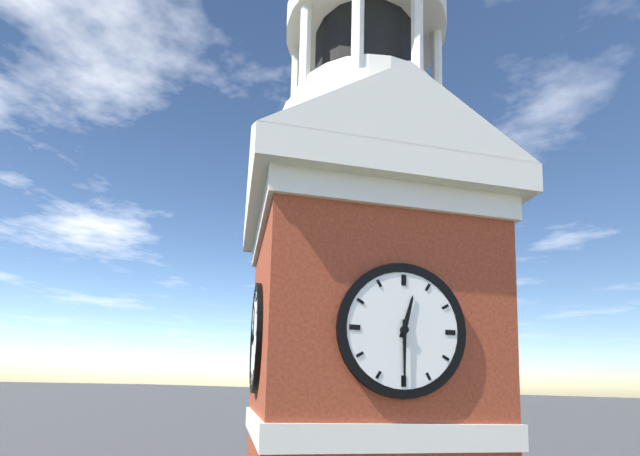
12:30
